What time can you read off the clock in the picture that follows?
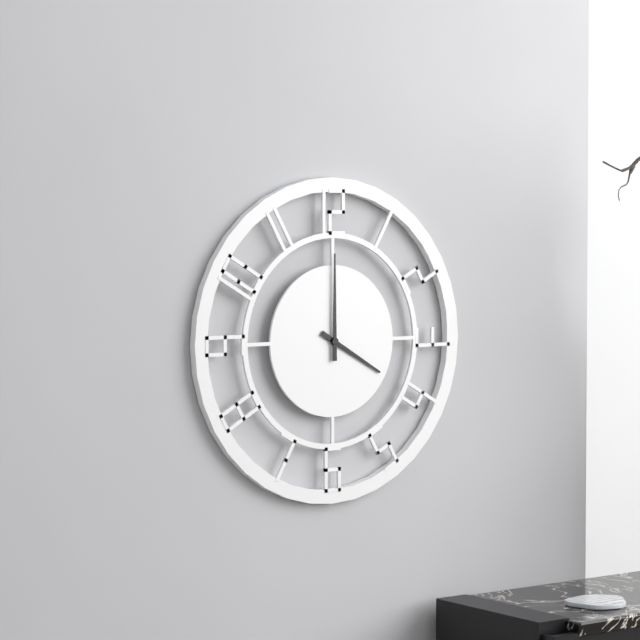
4:00
